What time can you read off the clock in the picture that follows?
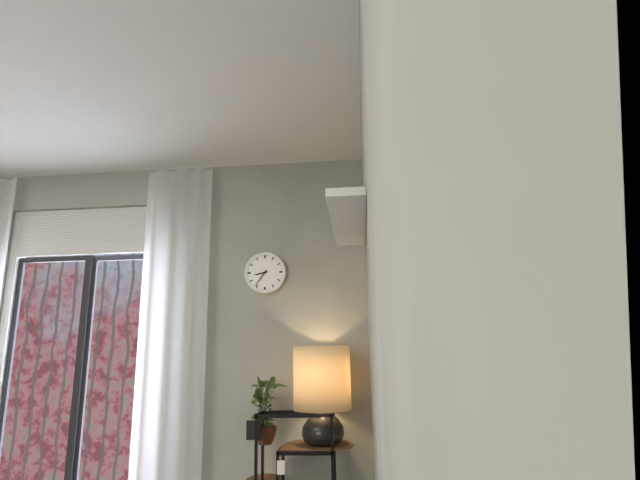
8:36
